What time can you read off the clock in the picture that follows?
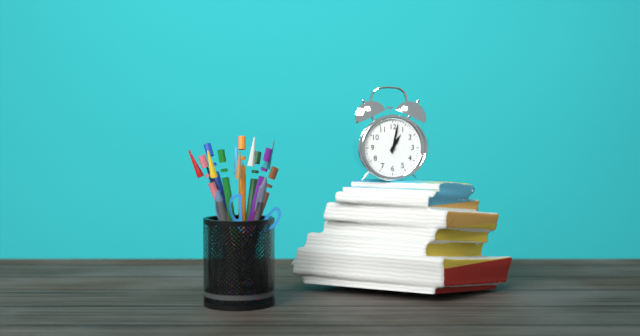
1:02
